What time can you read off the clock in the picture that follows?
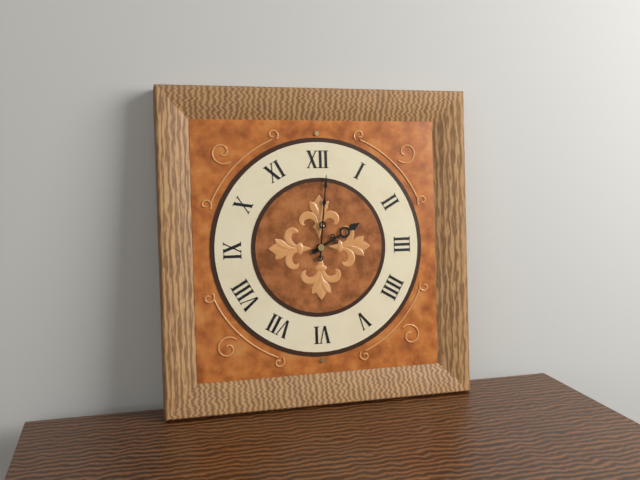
2:01
